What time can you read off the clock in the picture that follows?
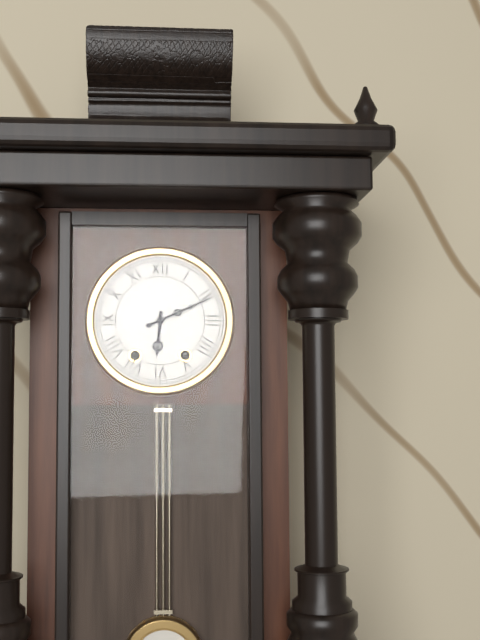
6:11
